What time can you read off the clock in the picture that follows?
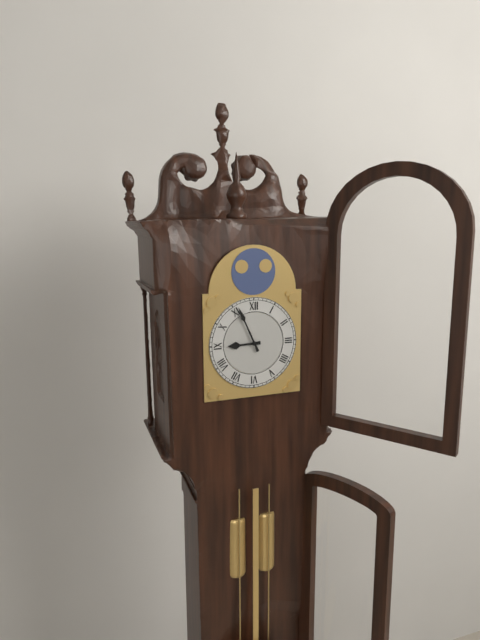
8:56
